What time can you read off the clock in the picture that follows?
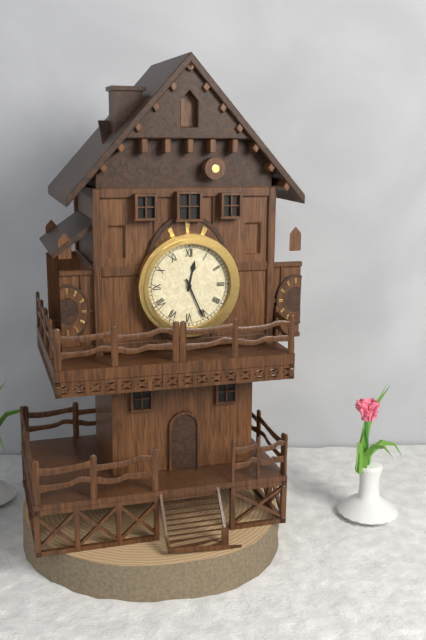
12:26
